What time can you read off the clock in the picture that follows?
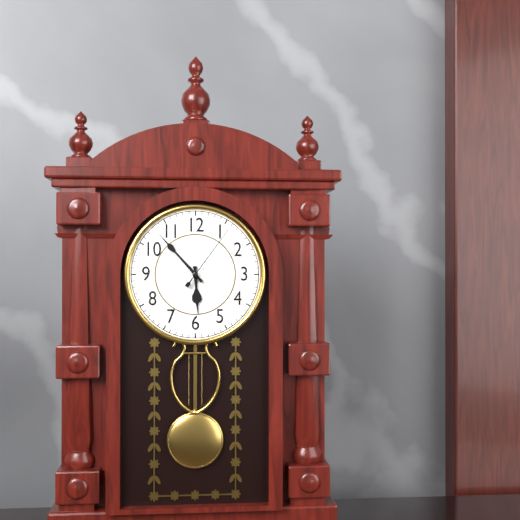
5:53:06
